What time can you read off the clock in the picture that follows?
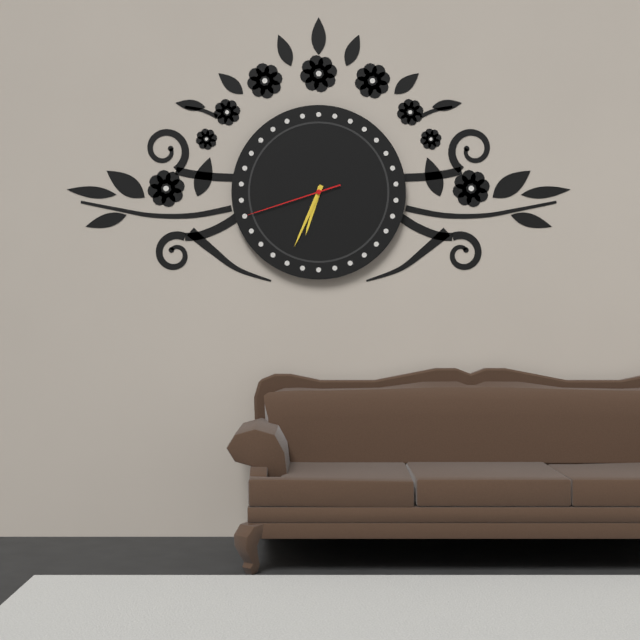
6:34:42
